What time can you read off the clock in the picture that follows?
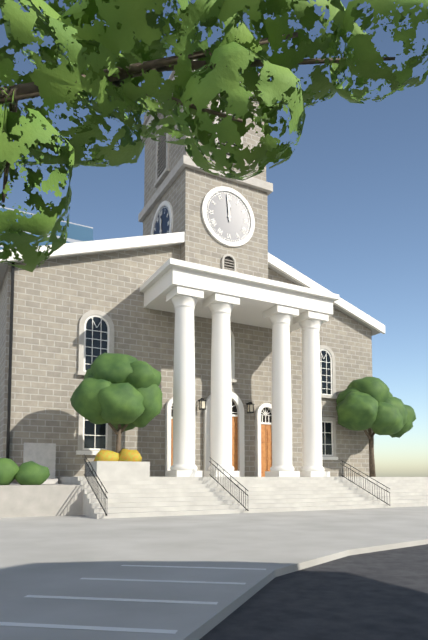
11:59
